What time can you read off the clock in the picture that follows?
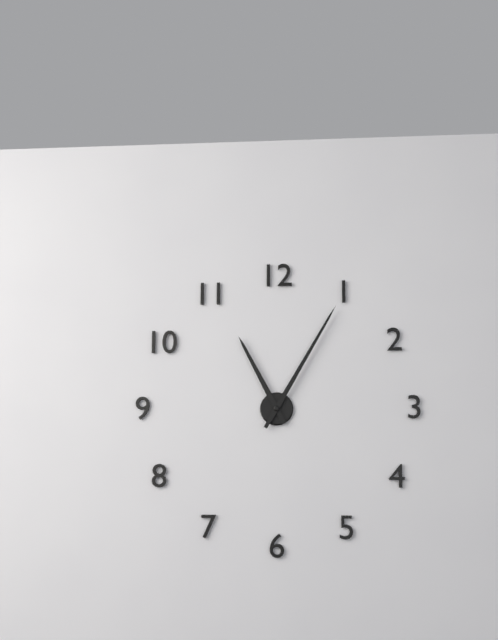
11:05
